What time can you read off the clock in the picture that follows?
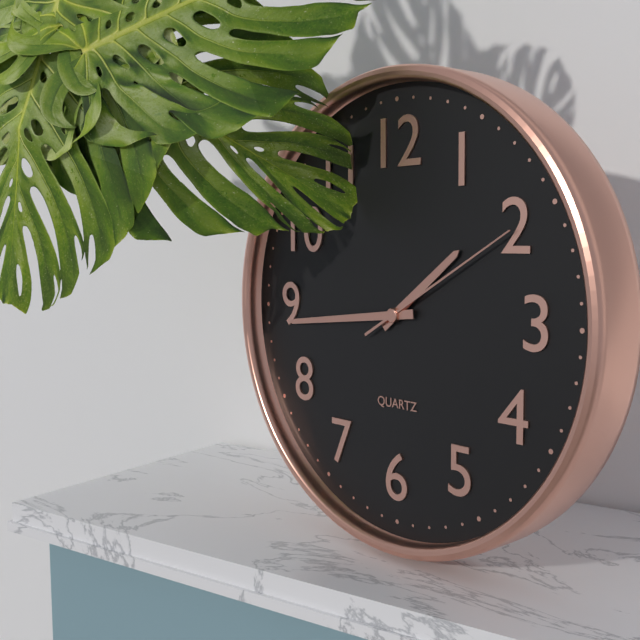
1:44:10
